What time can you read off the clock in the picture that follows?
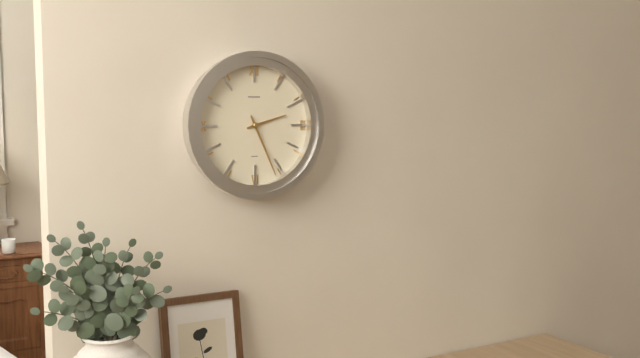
2:26
